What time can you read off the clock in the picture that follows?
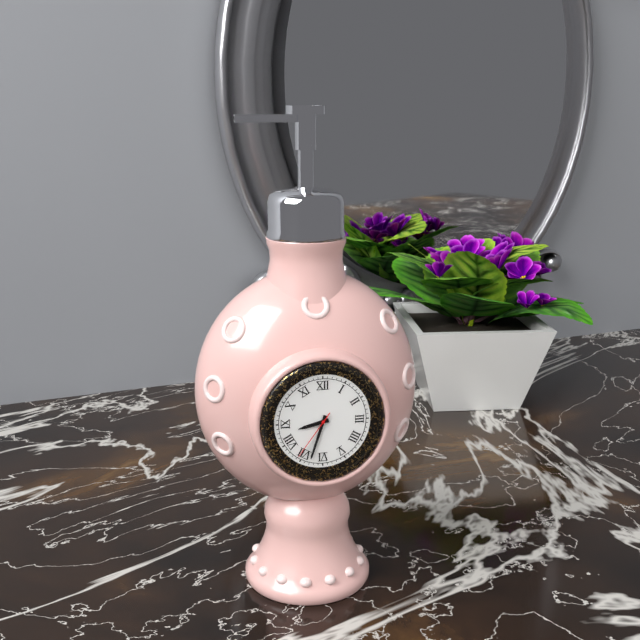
8:33:36
